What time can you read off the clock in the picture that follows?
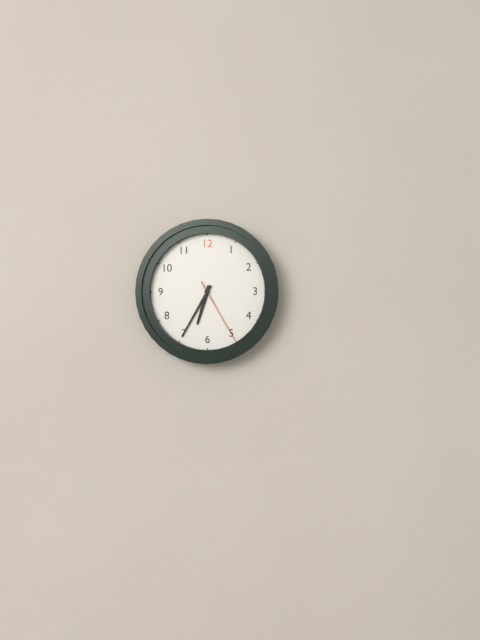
6:35:25
